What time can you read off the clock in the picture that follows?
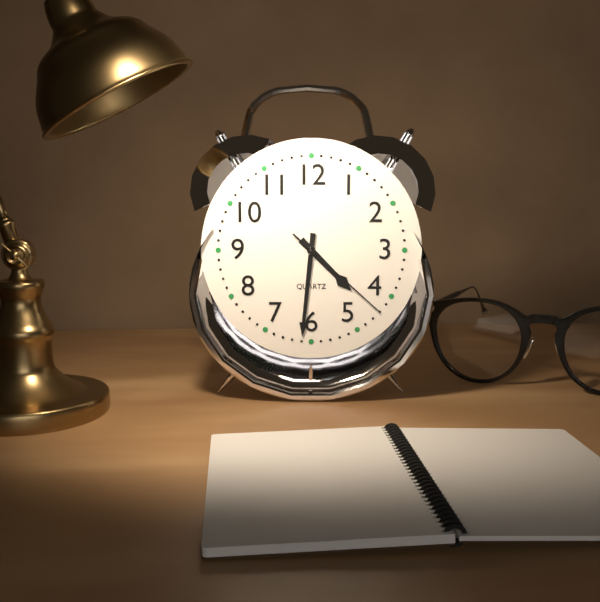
4:31:22
